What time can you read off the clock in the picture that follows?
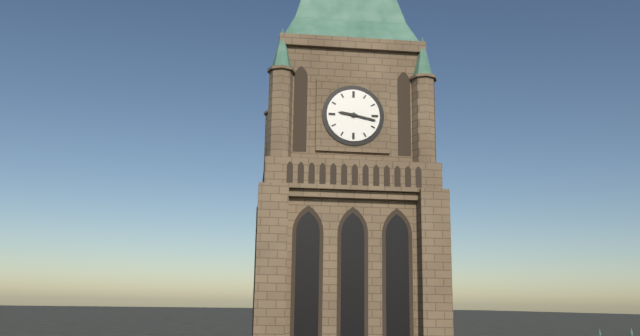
9:17
